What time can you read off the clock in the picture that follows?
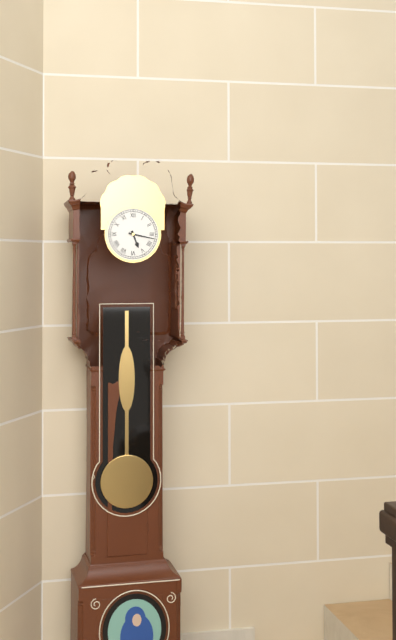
5:17
